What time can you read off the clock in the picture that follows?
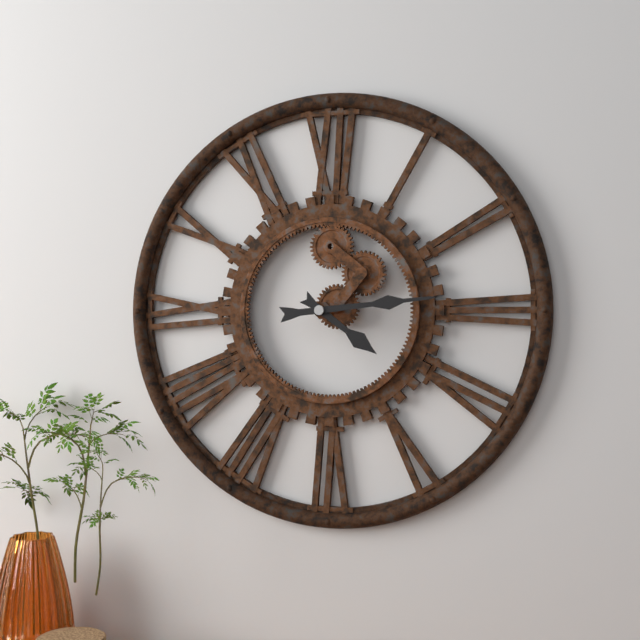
4:14
